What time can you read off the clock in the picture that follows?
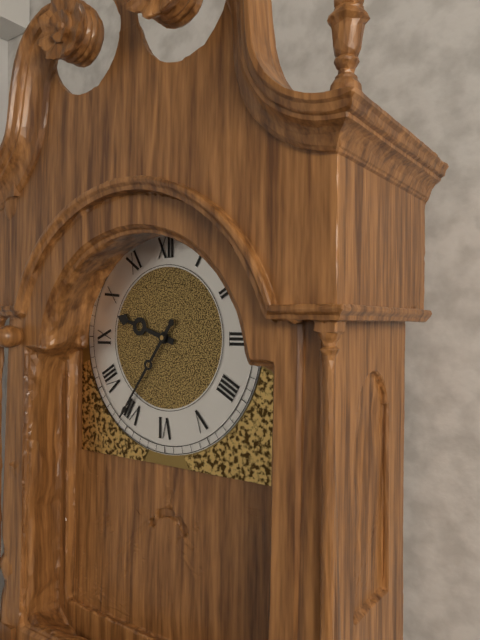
9:36
